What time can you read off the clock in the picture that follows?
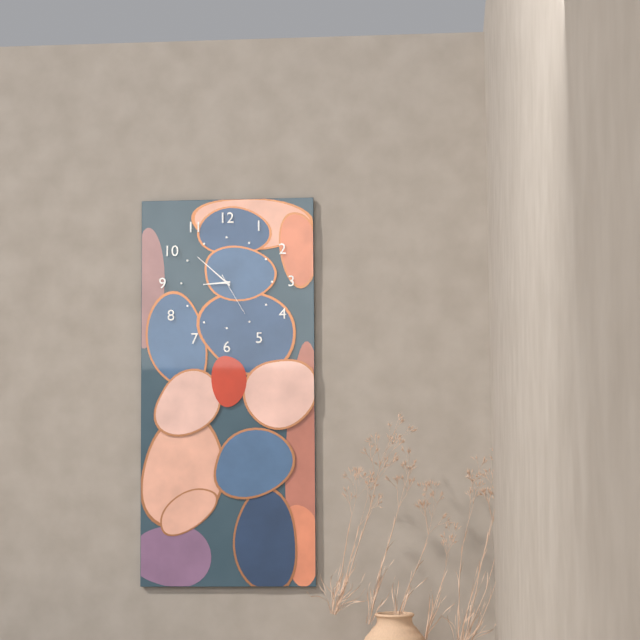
8:52
